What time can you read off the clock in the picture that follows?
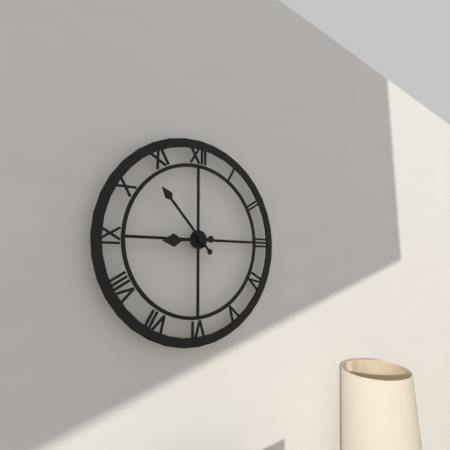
8:53
